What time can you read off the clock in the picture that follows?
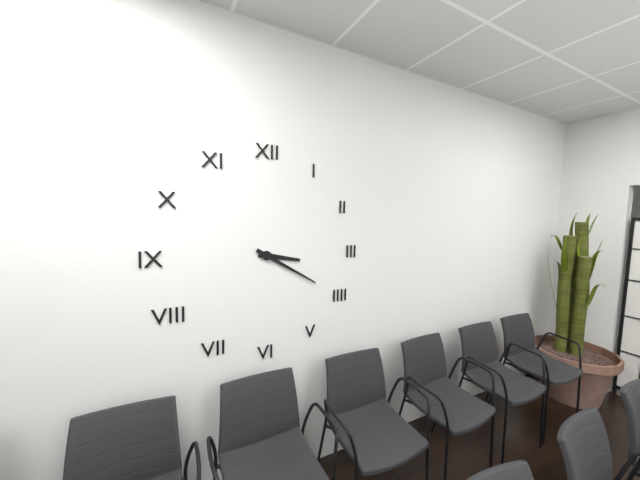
3:20
